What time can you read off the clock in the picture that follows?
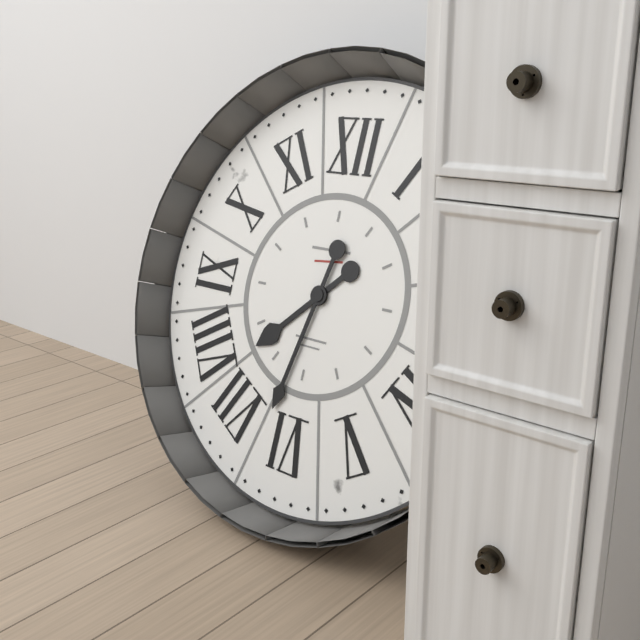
7:32
